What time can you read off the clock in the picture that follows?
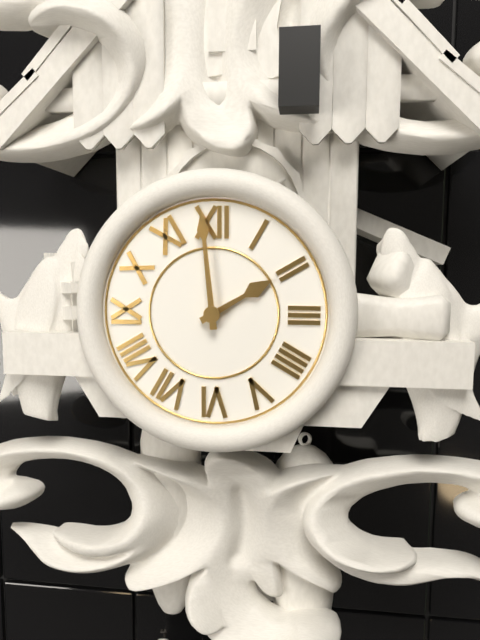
1:59
